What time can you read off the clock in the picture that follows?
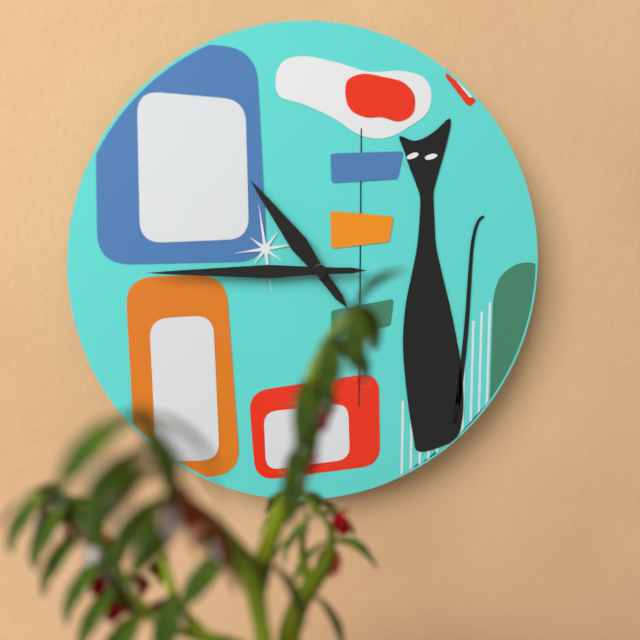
10:45
